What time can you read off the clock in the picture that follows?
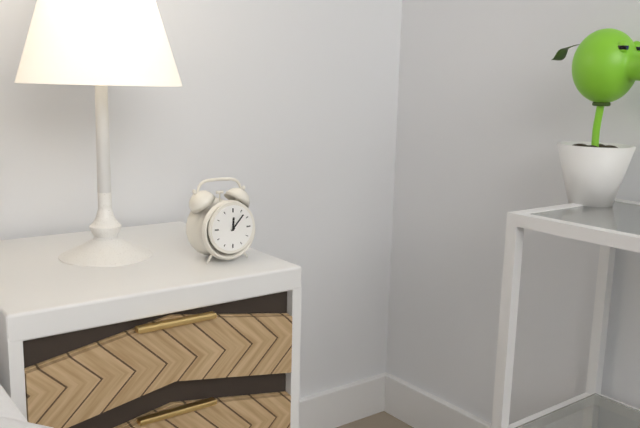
12:07
